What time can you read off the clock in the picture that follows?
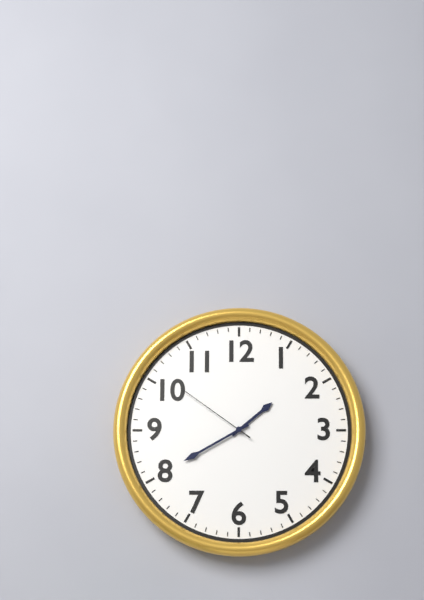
1:40:51
